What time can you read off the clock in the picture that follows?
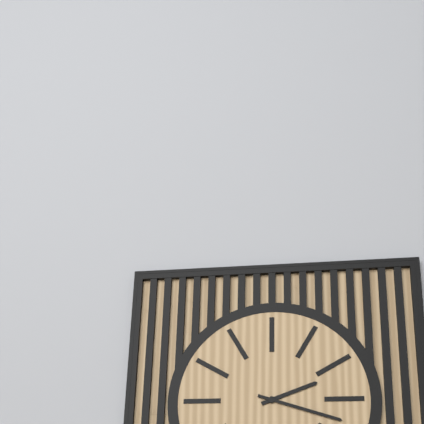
2:18
